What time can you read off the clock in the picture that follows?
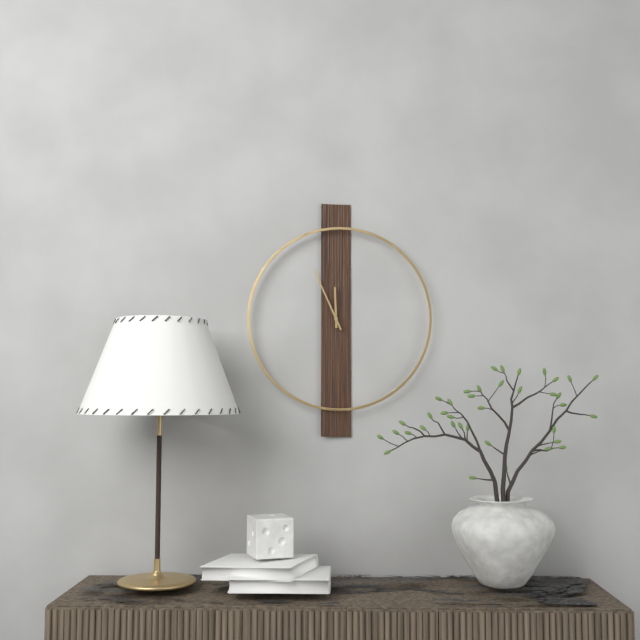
11:56
